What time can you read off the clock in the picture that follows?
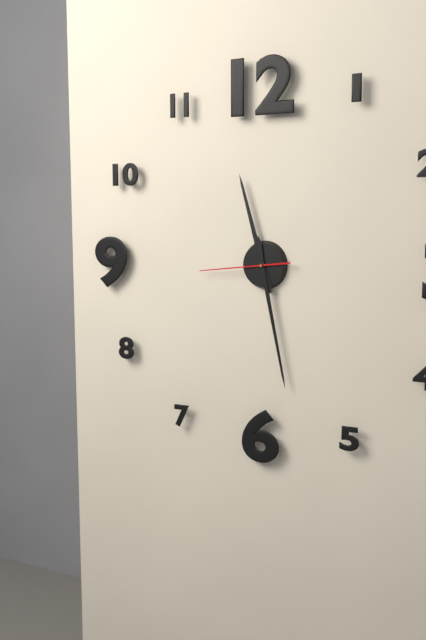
11:28:44
